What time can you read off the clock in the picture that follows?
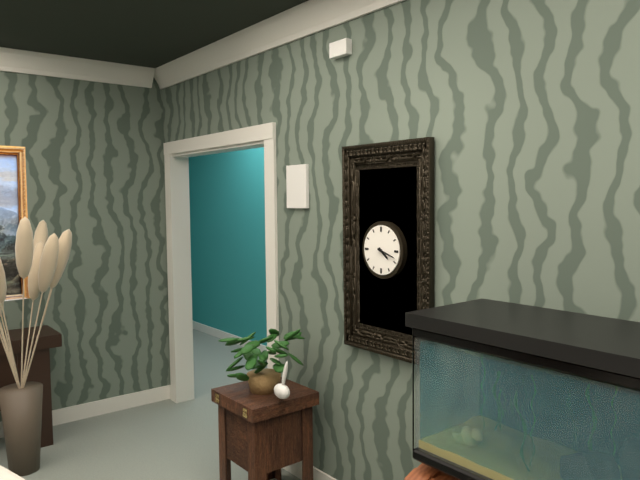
4:18
